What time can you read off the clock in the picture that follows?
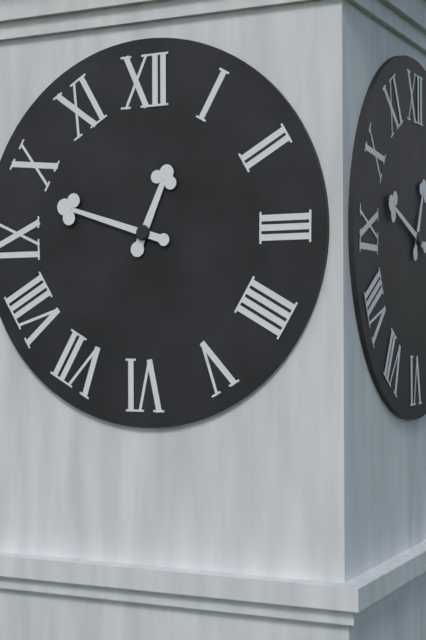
12:48
